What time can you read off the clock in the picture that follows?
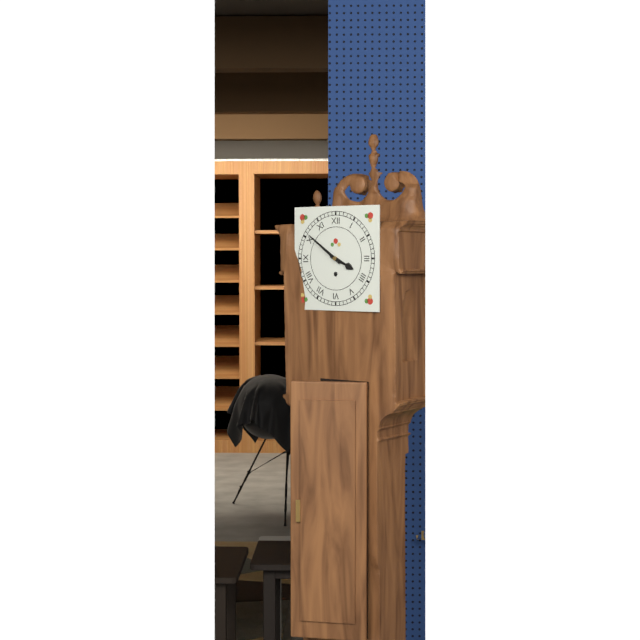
3:51
